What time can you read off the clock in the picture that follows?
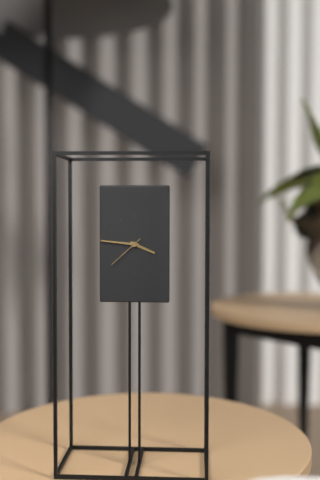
3:46
